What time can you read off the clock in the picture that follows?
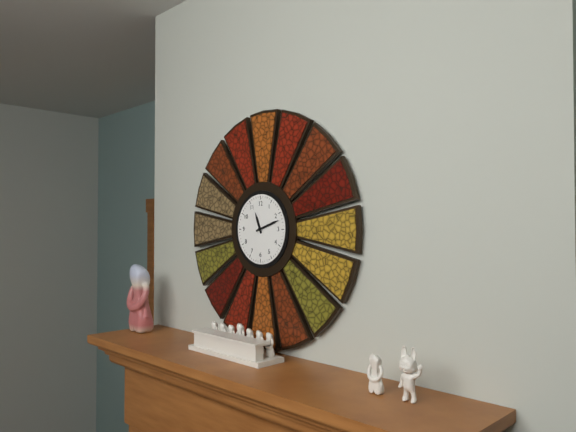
11:12
